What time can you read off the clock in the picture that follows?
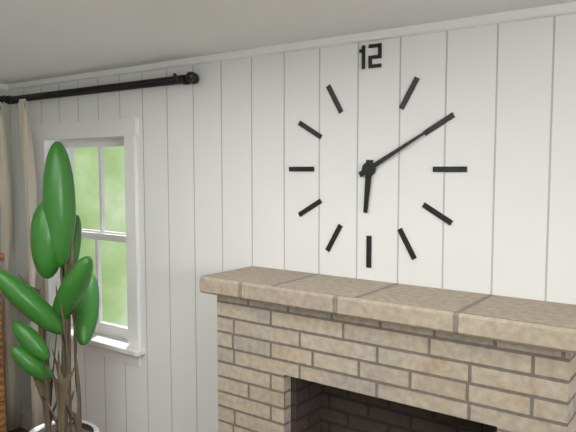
6:10
